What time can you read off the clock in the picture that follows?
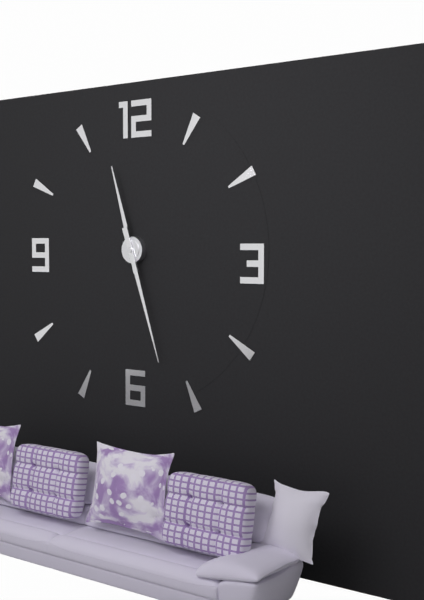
11:27
